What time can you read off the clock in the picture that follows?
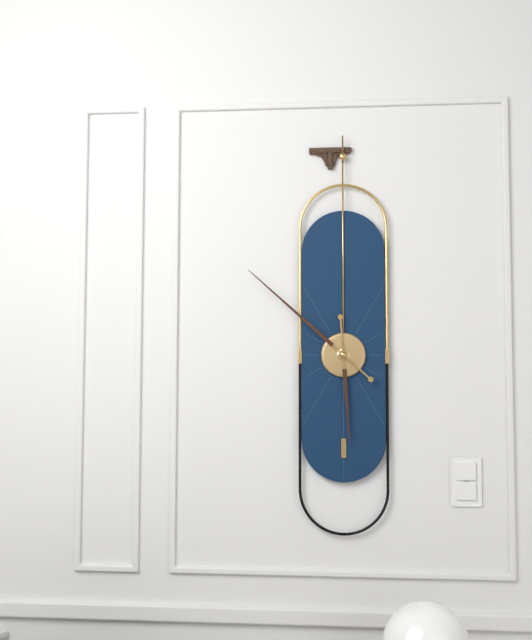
5:52
